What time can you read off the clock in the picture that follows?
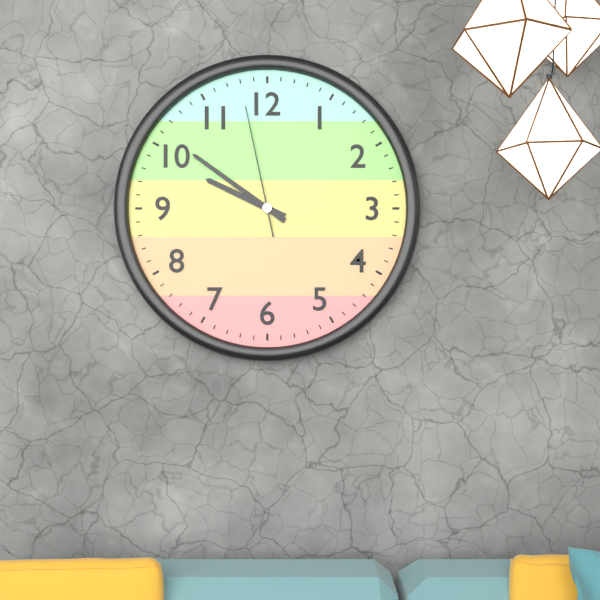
9:51:58
